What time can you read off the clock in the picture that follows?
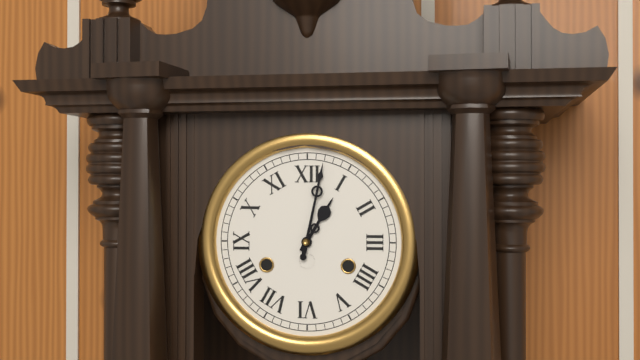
1:02
